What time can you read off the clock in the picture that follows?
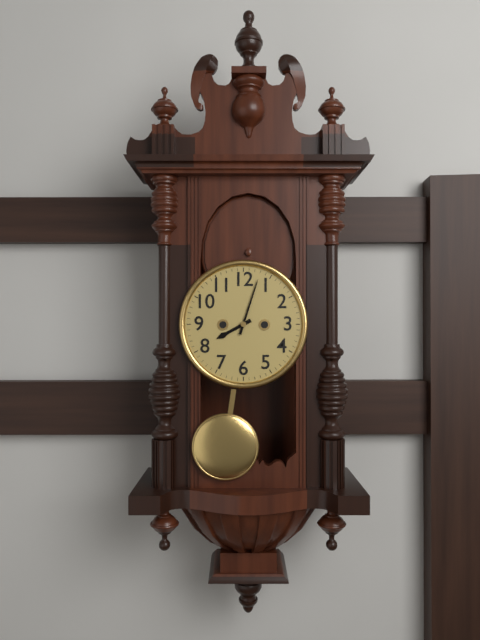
8:03
